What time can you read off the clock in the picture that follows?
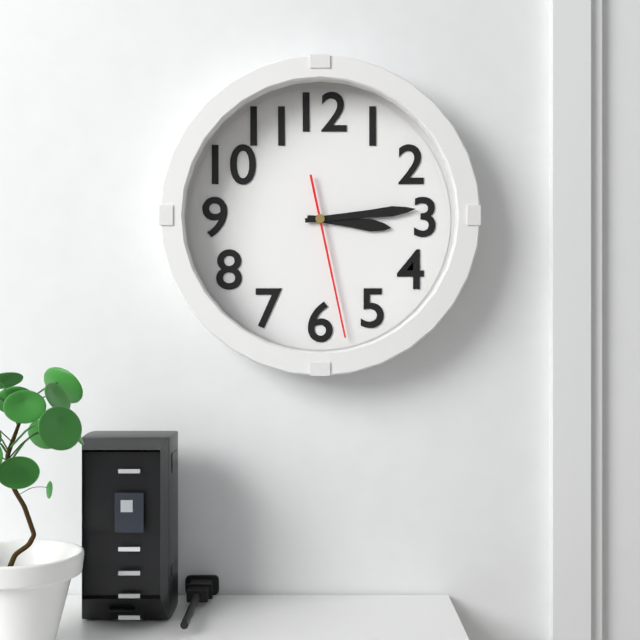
3:14:28
